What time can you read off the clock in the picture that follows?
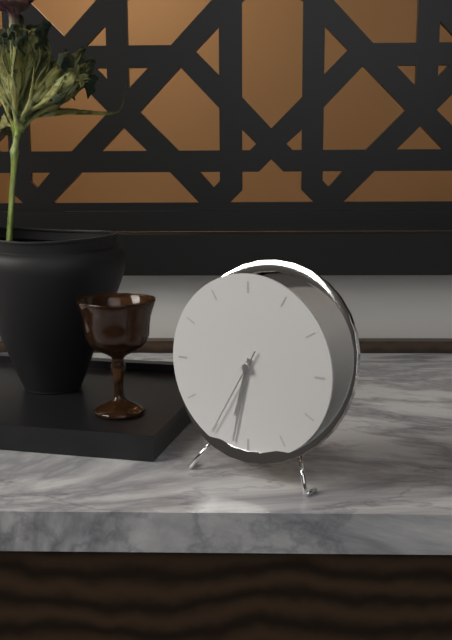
6:32:35
